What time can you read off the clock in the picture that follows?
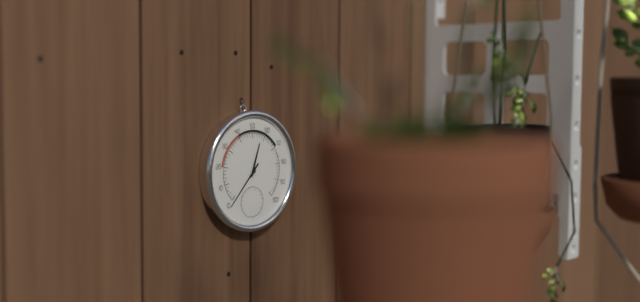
12:37
